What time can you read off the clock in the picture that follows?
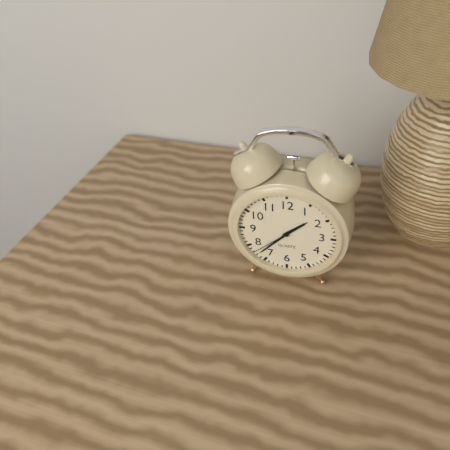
1:37
